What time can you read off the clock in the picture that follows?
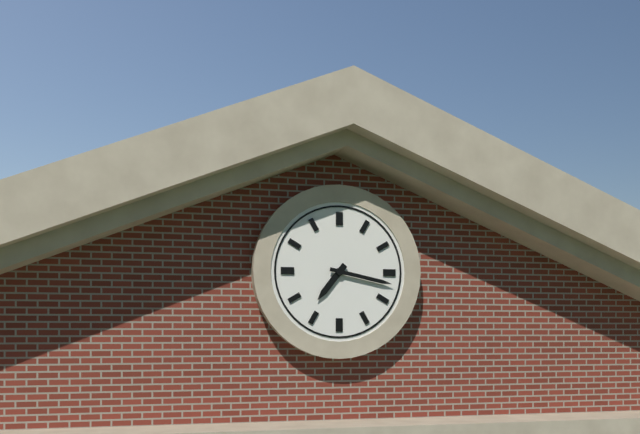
7:17
